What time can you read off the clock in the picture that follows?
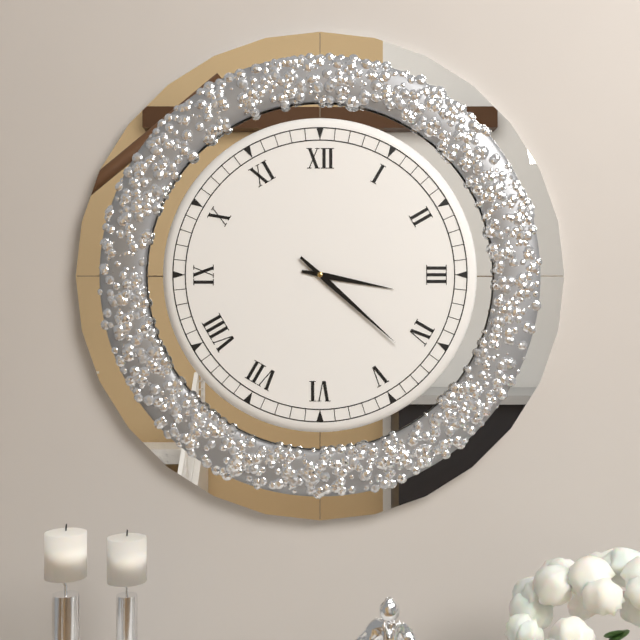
3:22
